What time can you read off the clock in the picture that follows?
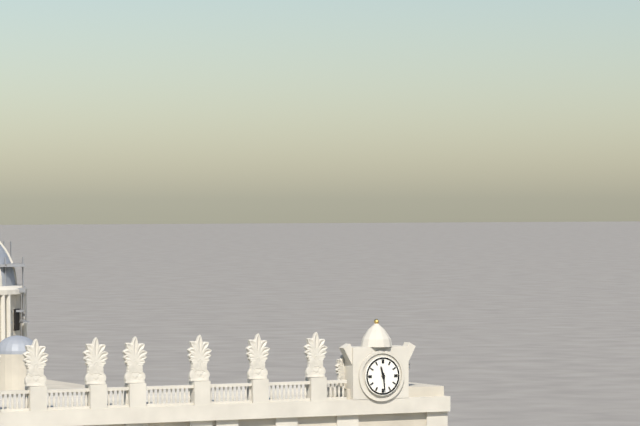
11:29
